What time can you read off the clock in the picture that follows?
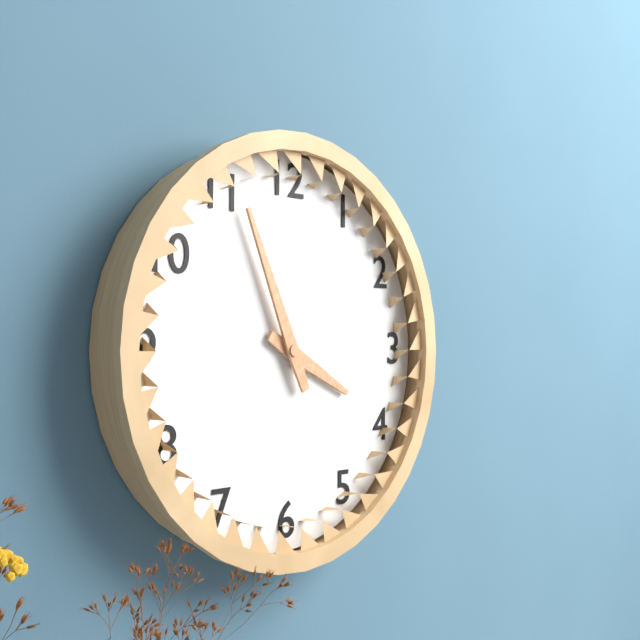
3:56
